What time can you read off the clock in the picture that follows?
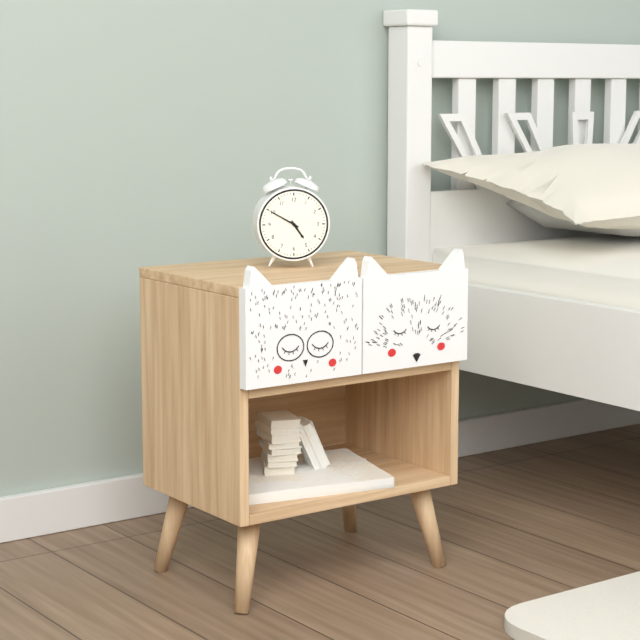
4:50
